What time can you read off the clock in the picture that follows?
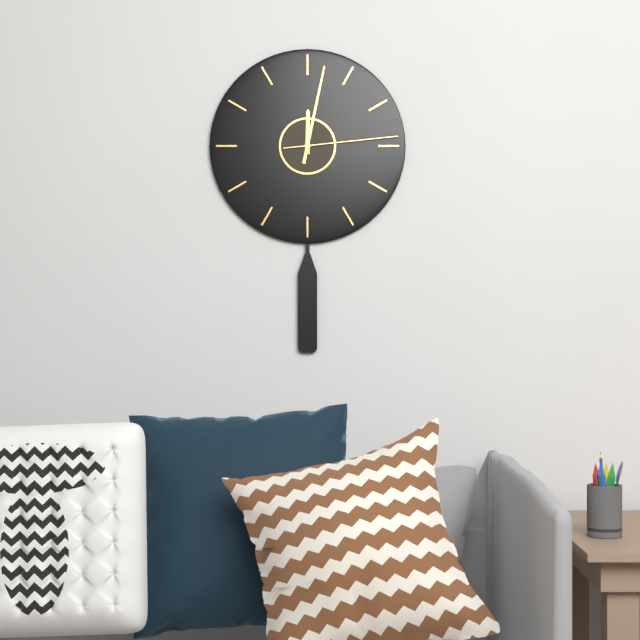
12:02:14
